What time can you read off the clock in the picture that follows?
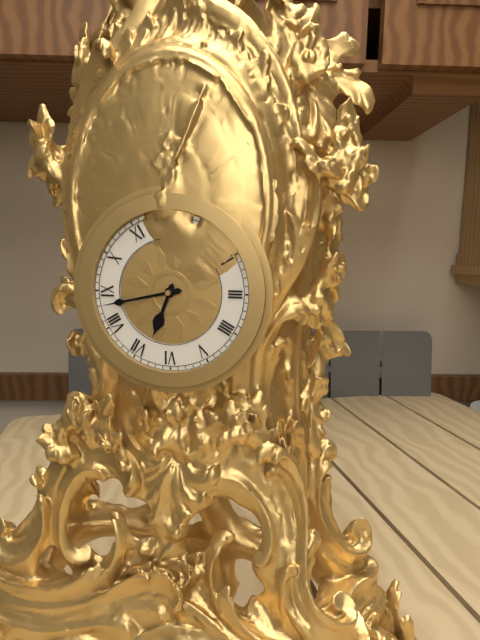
6:43
